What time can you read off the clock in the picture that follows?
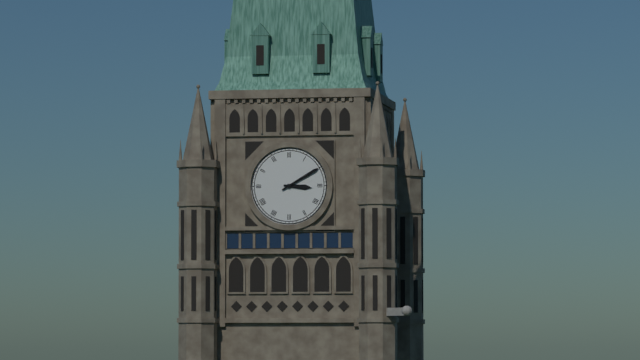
3:10
